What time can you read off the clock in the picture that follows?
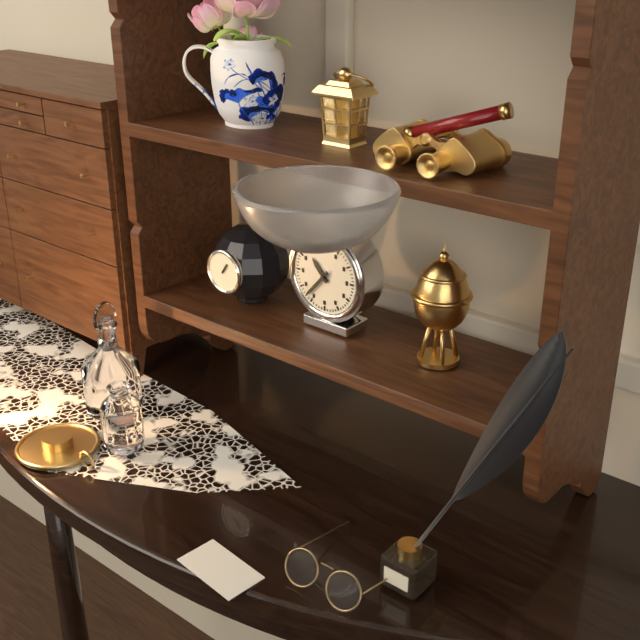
10:37
